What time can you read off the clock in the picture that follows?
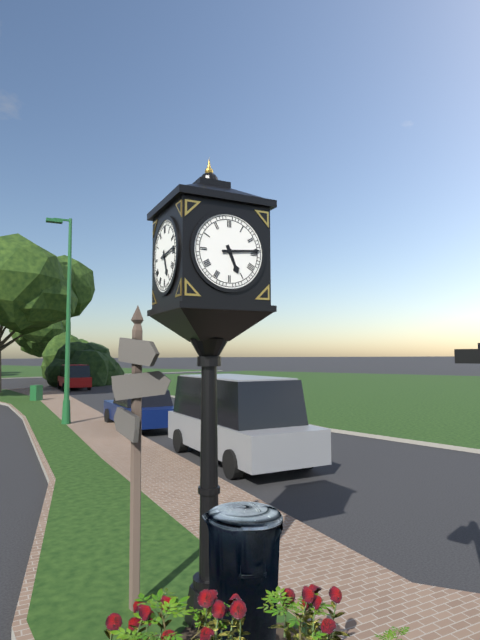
5:14
